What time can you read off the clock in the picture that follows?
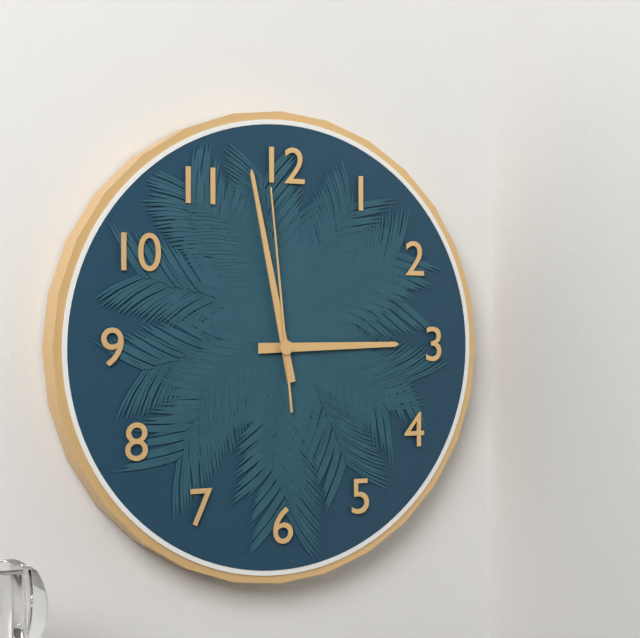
2:58:59
